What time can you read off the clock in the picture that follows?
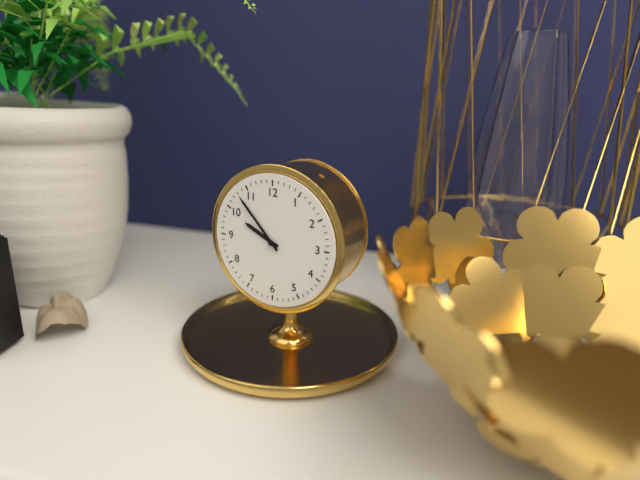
9:53
